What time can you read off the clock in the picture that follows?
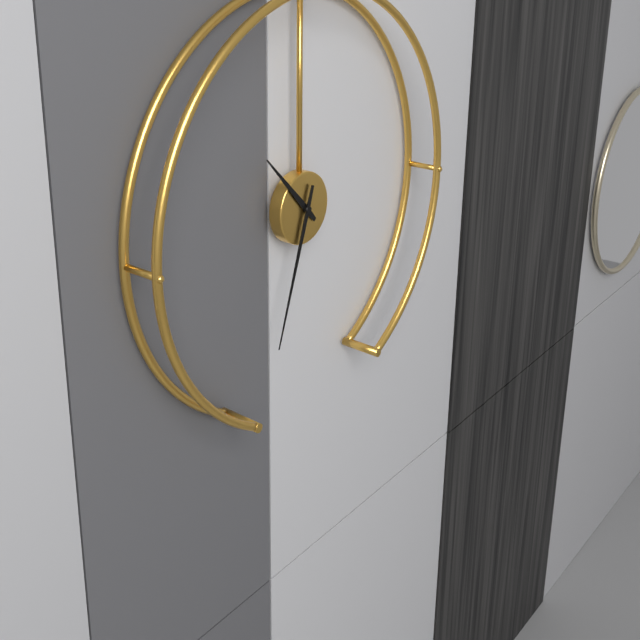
10:33
